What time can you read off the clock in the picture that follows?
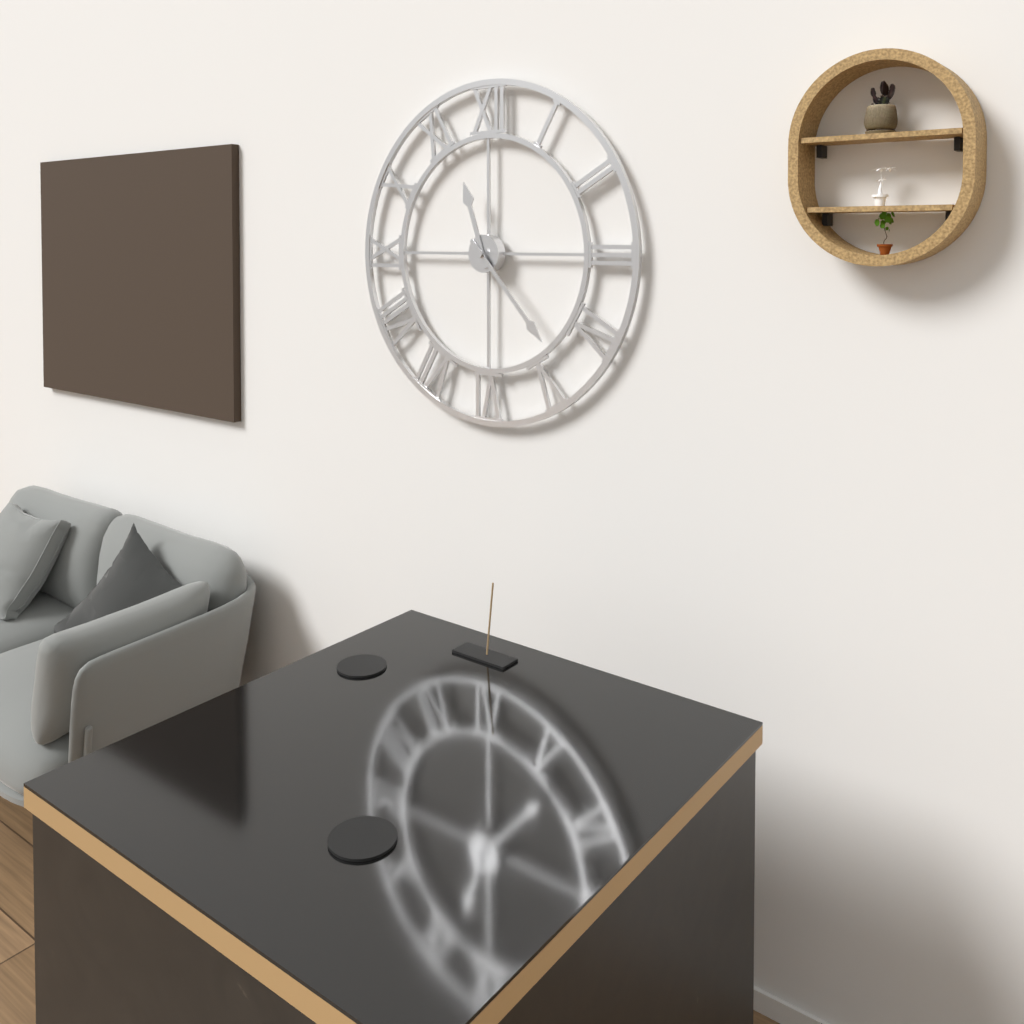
11:23
